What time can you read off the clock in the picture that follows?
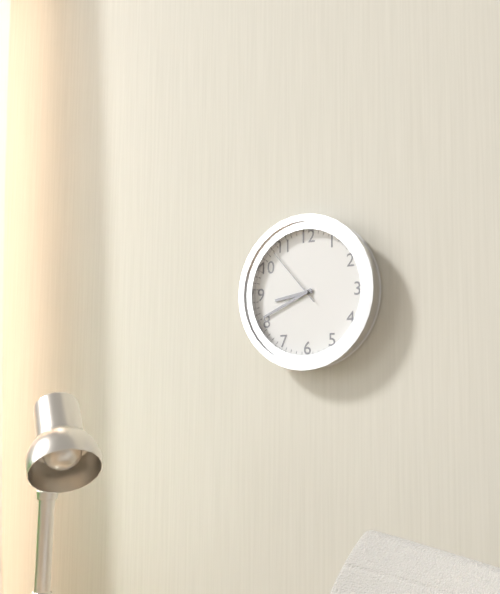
8:41:53
